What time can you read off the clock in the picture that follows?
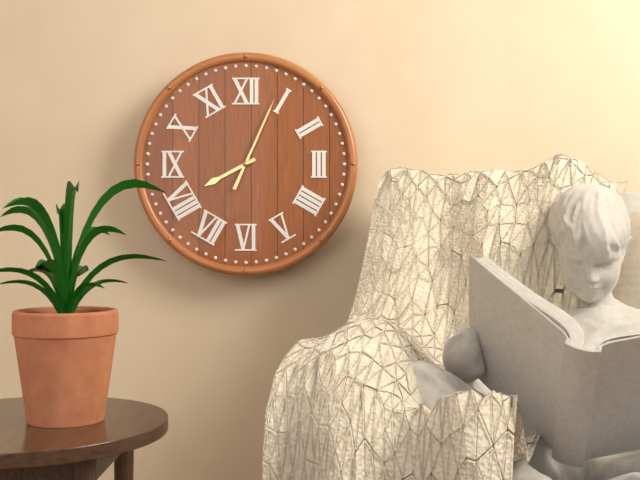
8:04
